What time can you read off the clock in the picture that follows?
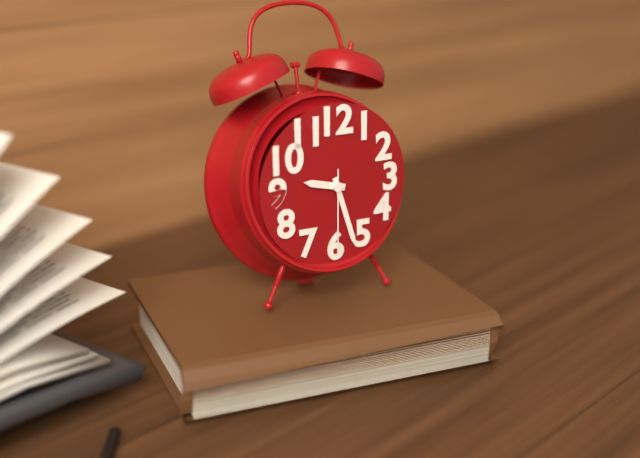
9:27:30
